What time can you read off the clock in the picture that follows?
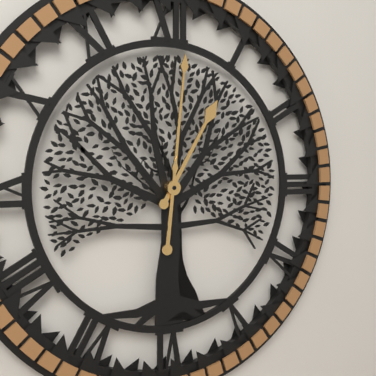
1:01
